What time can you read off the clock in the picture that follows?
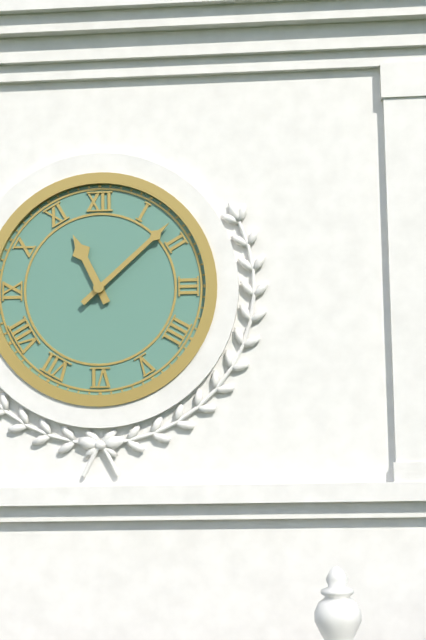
11:08
